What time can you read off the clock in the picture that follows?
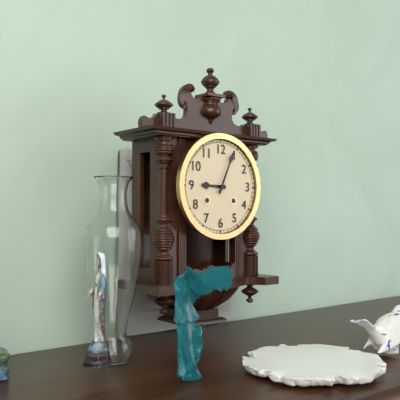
9:04
